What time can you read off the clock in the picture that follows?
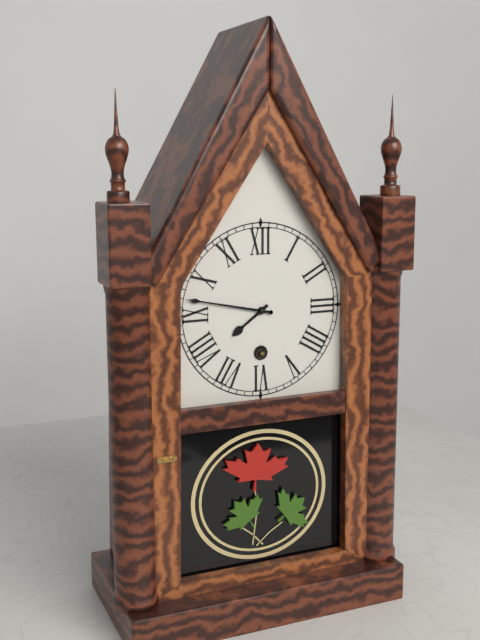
7:47
